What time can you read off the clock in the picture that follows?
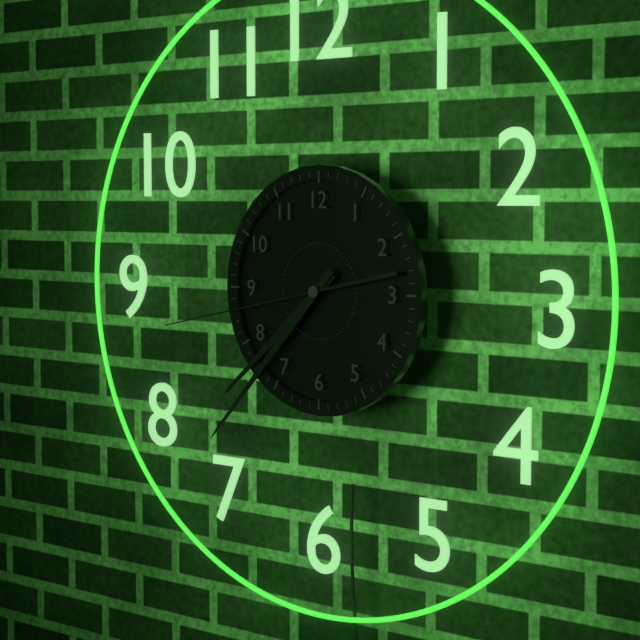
7:37:43
